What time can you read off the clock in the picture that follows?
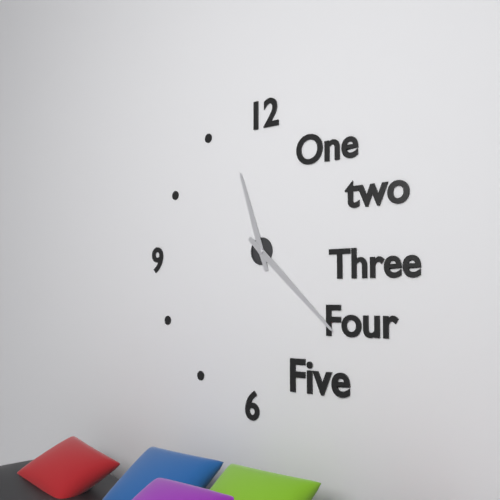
11:22
